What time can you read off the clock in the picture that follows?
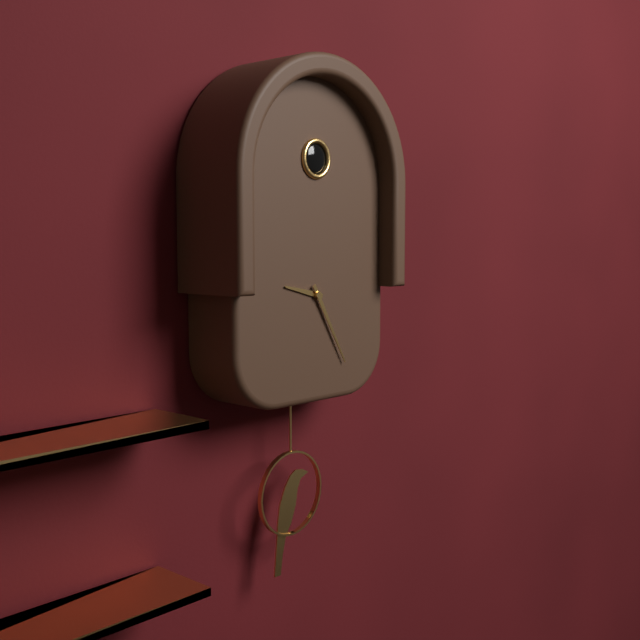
9:25
